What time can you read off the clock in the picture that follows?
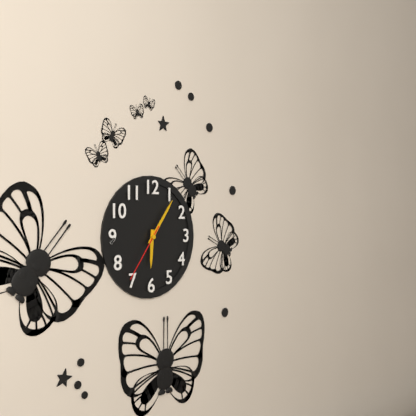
6:06:36
